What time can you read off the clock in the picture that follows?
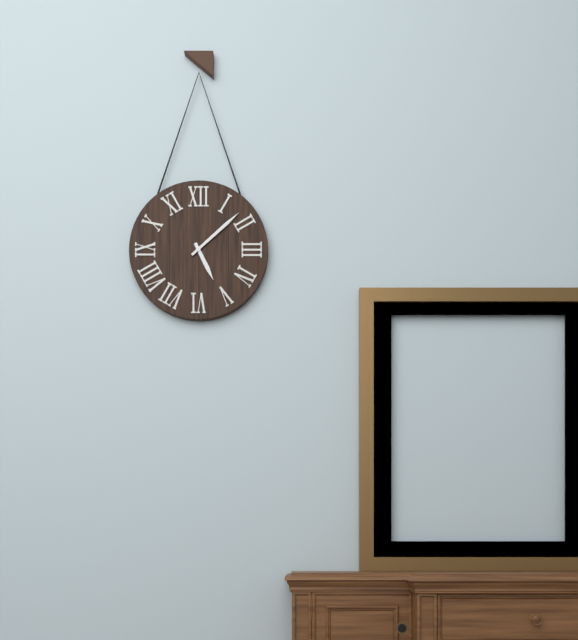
5:08
